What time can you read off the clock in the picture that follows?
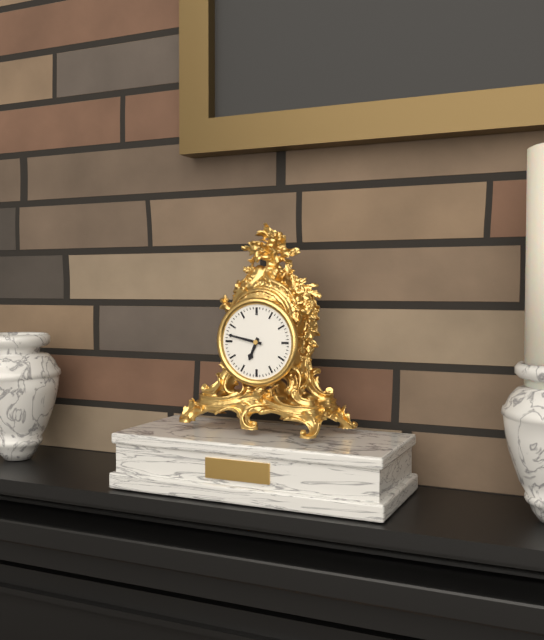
6:47
